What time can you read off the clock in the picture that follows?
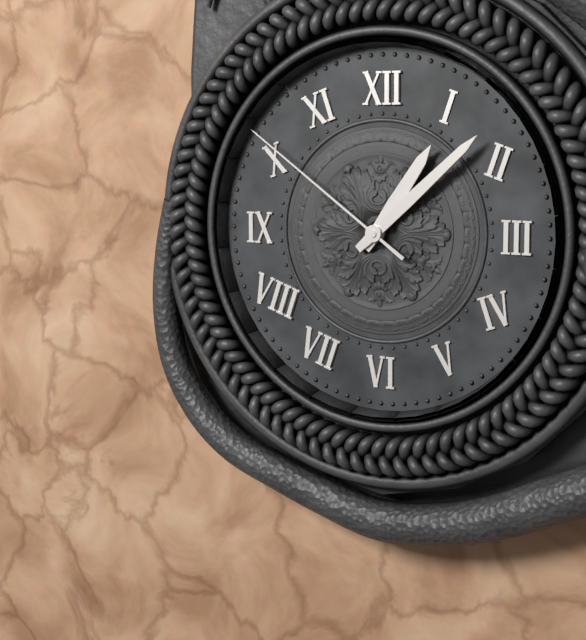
1:08:51
